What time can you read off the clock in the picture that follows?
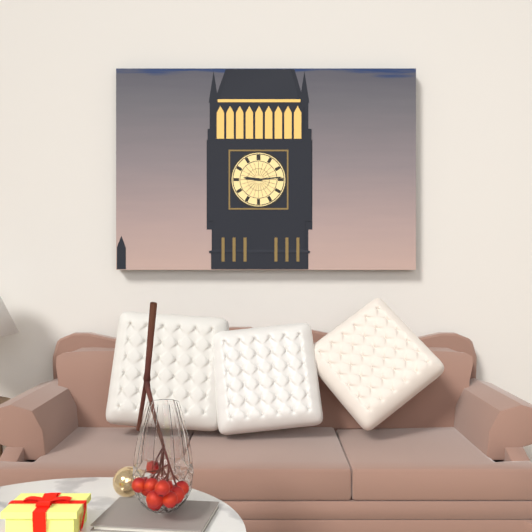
9:14
